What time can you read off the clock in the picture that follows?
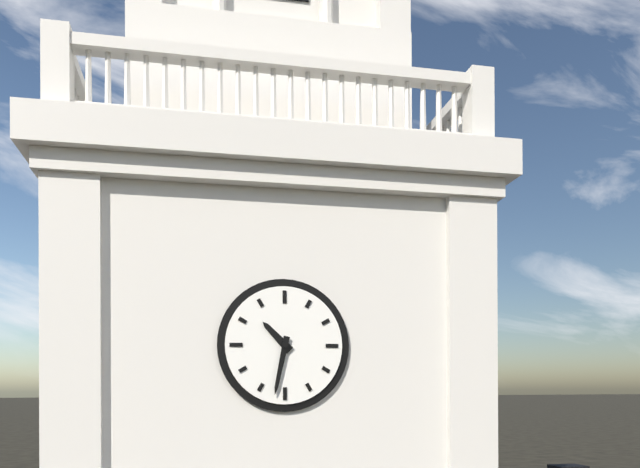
10:32
